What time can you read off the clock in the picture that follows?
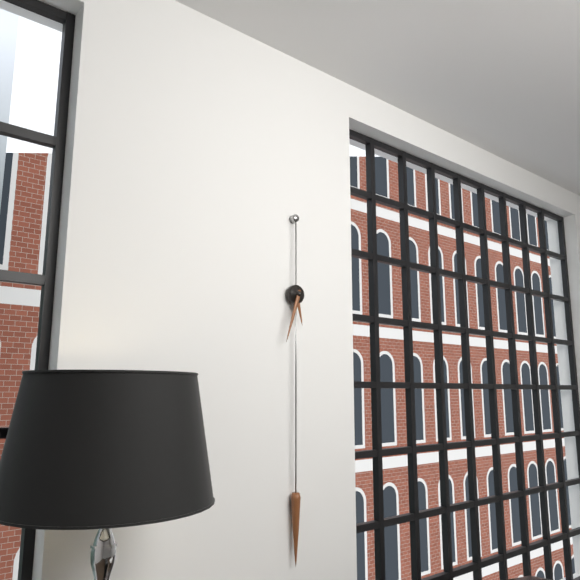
5:33
